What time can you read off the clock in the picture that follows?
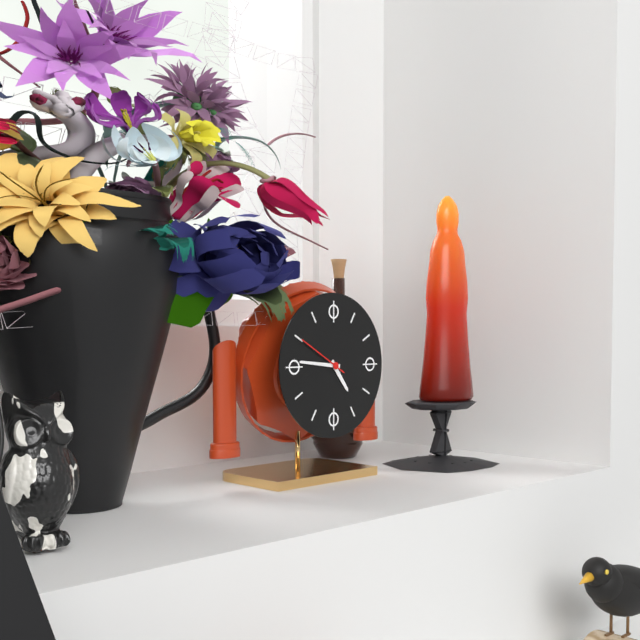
4:46:50
